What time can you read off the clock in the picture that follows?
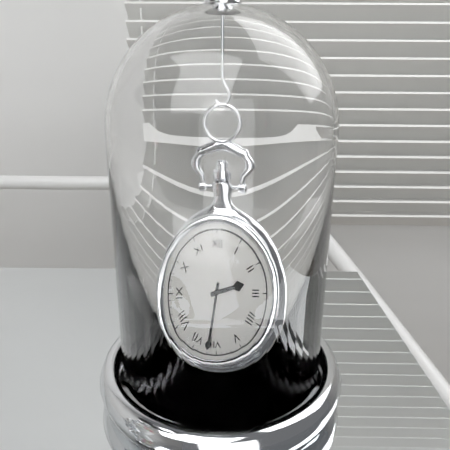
2:32
